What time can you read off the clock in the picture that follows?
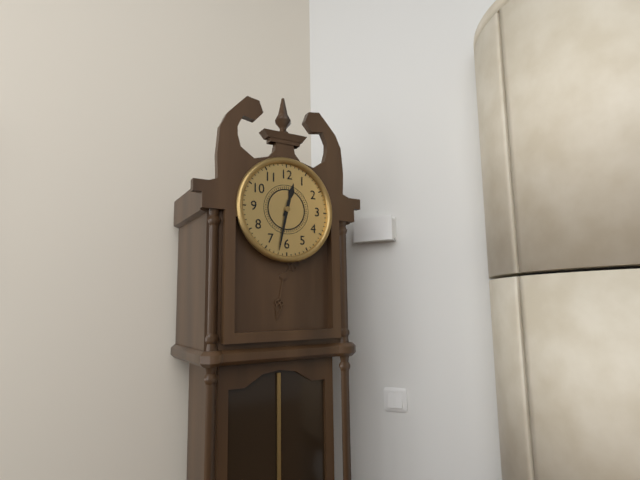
12:32
